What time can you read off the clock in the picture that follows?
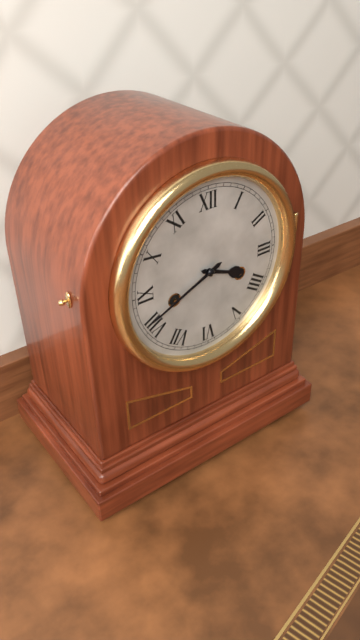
3:41
